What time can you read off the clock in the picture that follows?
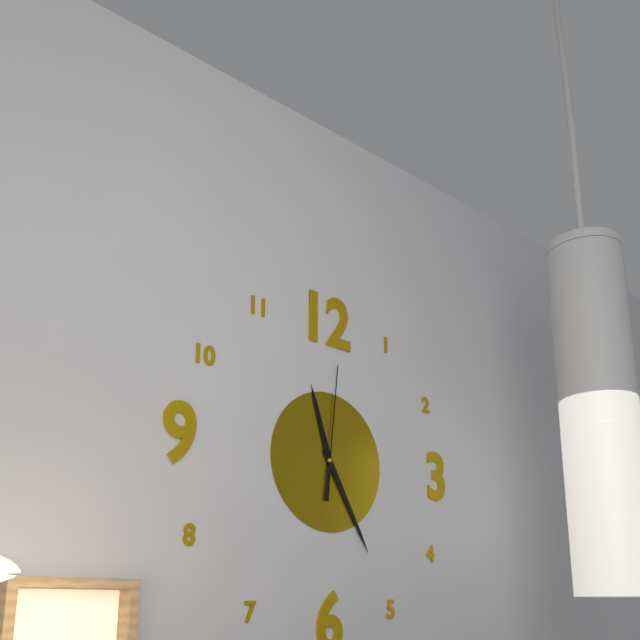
11:25:01
